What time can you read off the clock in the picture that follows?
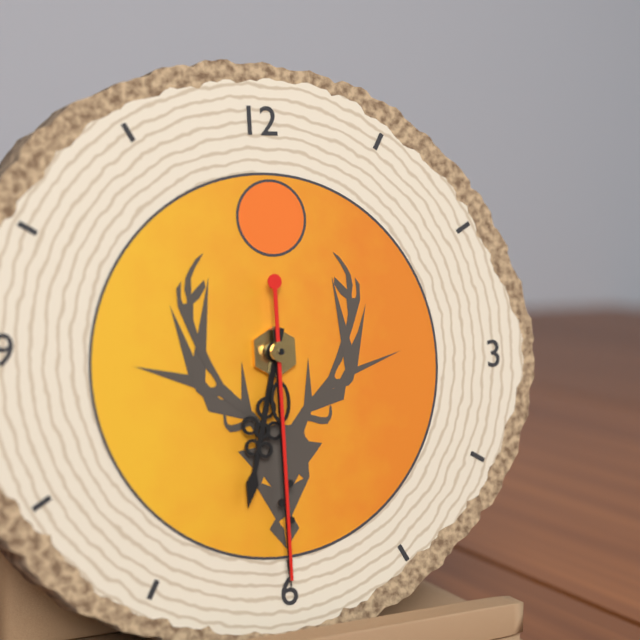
6:30:30
